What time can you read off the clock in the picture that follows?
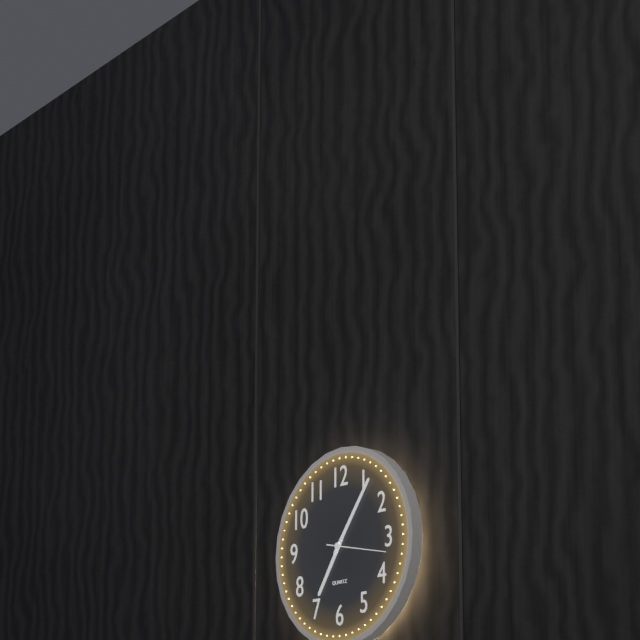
7:06:17
